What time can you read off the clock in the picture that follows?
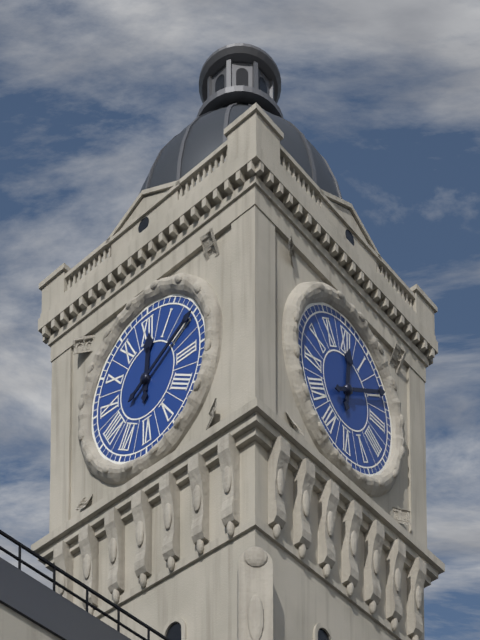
12:10
